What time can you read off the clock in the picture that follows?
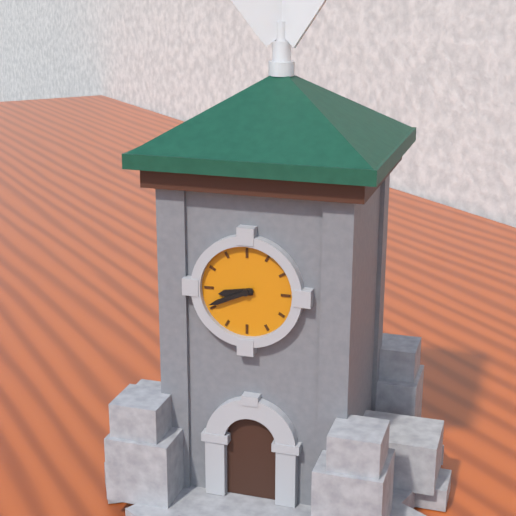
8:41
